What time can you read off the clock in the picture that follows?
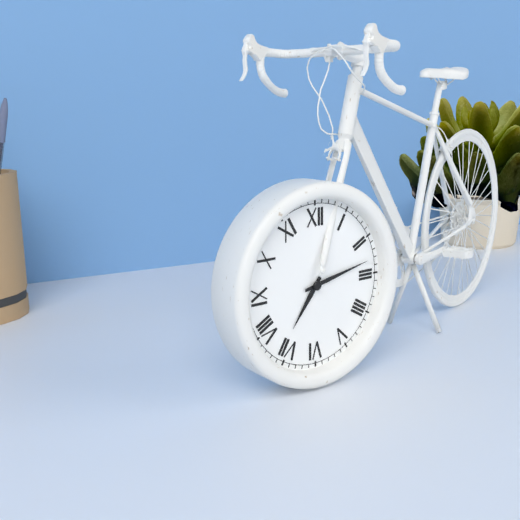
7:13
